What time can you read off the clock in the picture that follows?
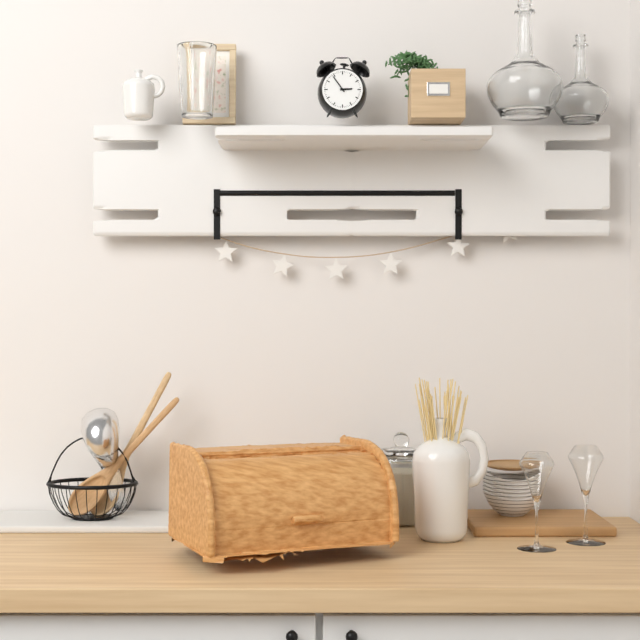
2:54
